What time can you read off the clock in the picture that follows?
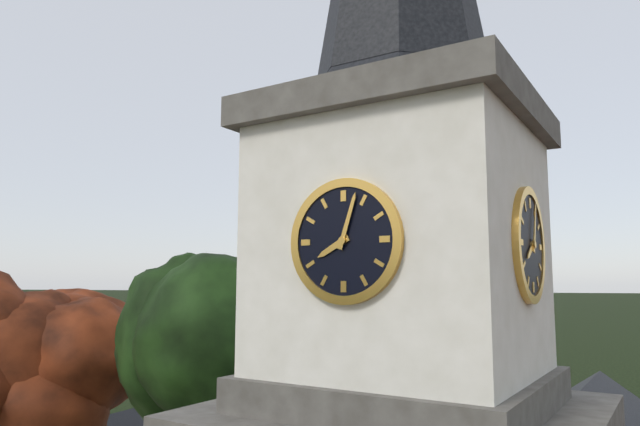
8:03
